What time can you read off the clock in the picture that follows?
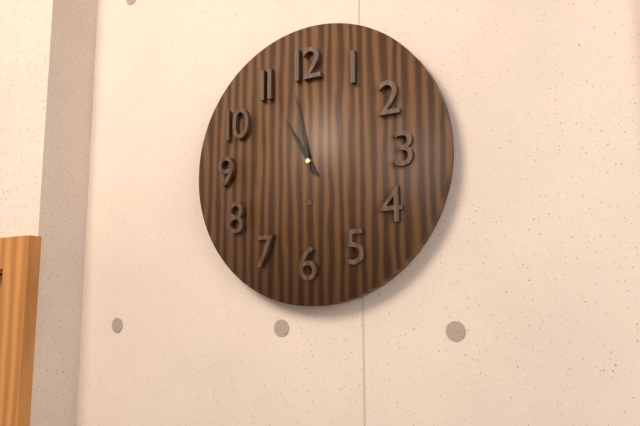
10:58
